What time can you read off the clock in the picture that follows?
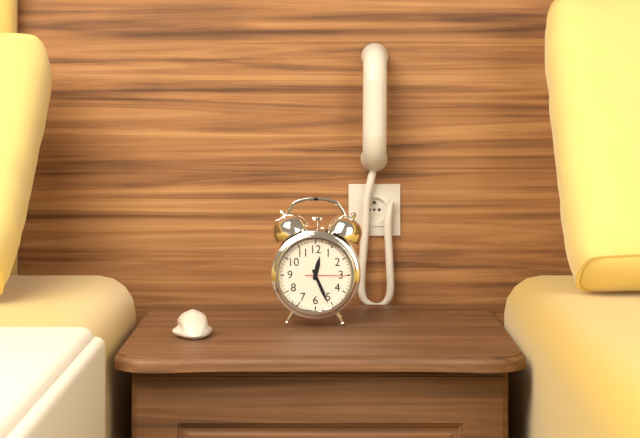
12:26
